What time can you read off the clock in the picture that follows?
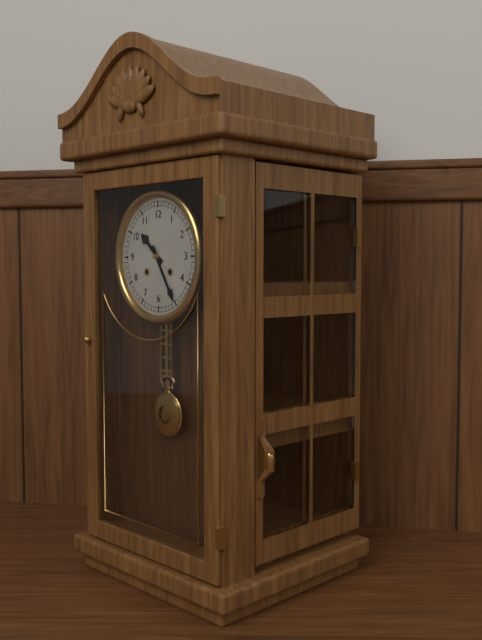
10:25
